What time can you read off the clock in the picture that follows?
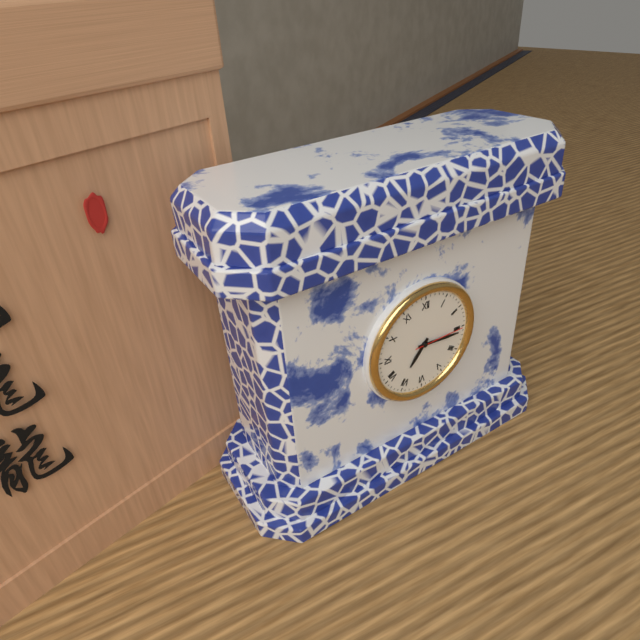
7:16:15
